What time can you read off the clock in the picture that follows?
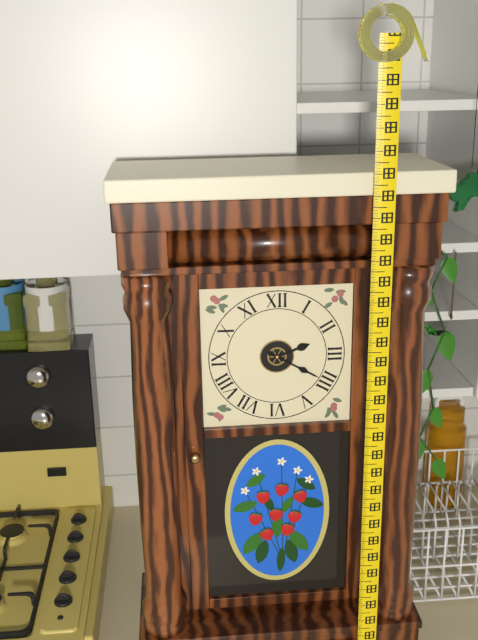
2:20
